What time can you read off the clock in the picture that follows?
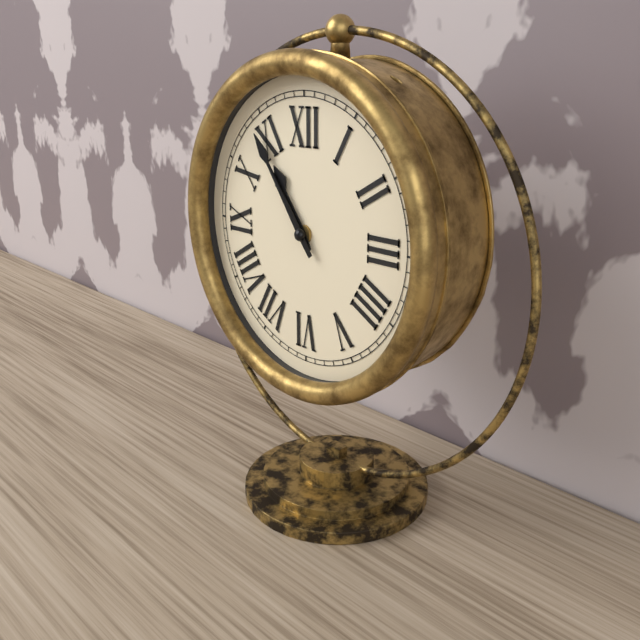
10:54
